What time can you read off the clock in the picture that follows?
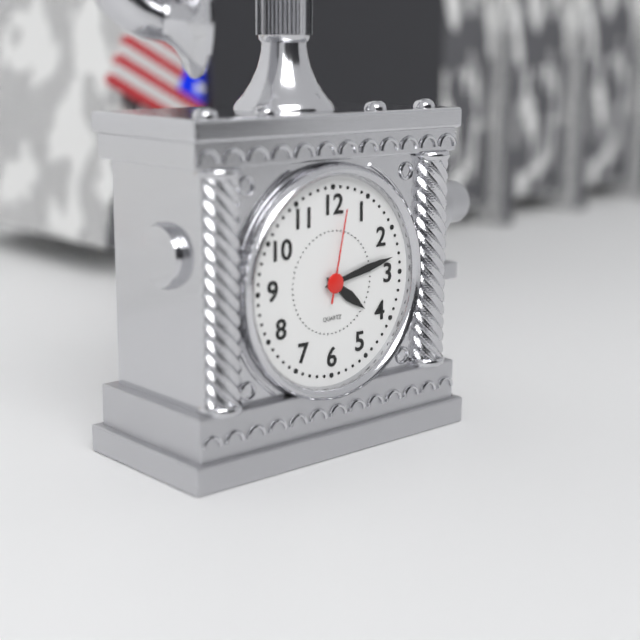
4:13:02
